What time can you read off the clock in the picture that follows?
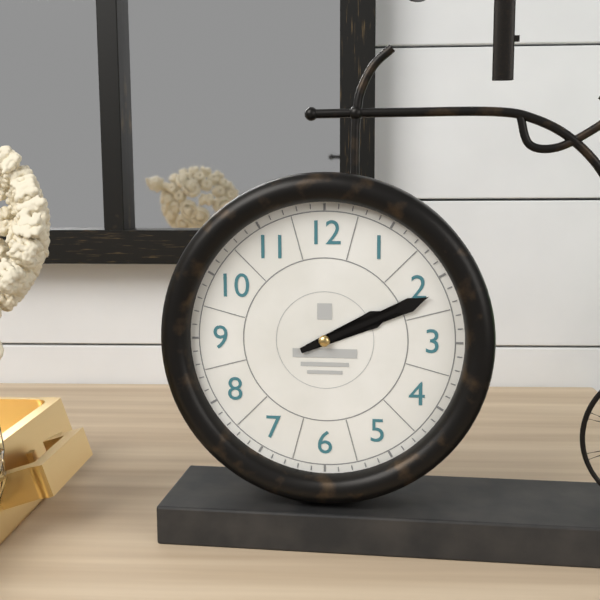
2:11
